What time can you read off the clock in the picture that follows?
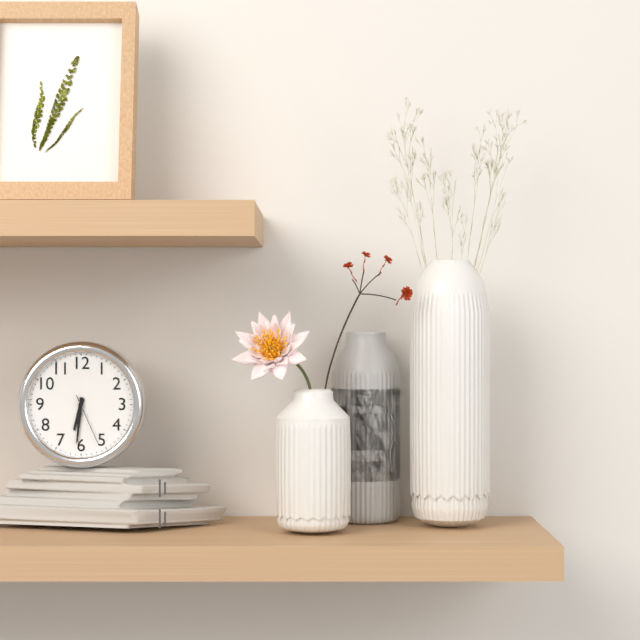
6:31:26
